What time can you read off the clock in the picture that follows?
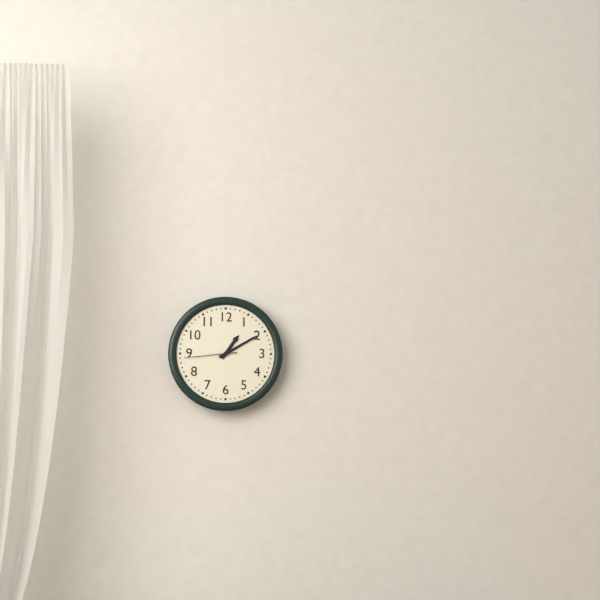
1:10:44
